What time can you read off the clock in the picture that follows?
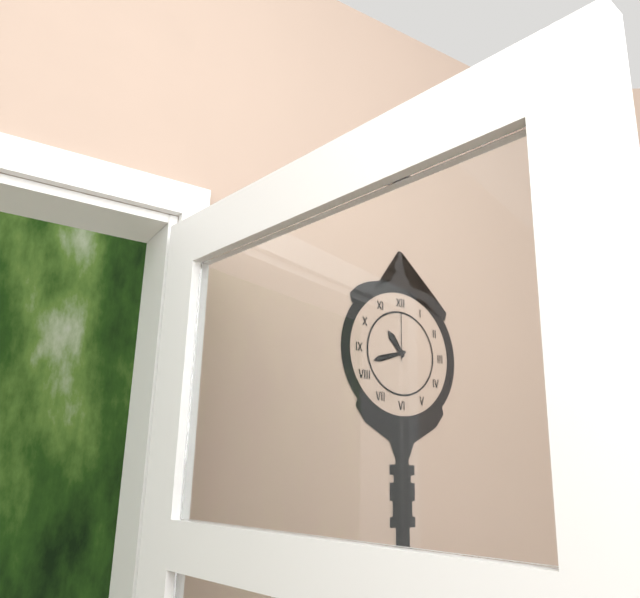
10:42:00
